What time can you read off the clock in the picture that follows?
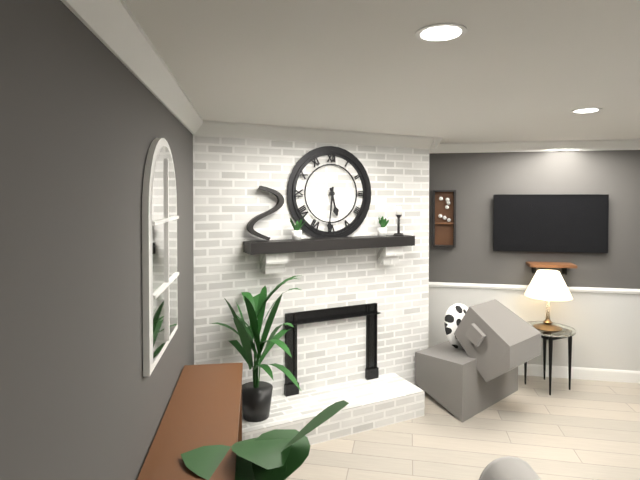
5:31
